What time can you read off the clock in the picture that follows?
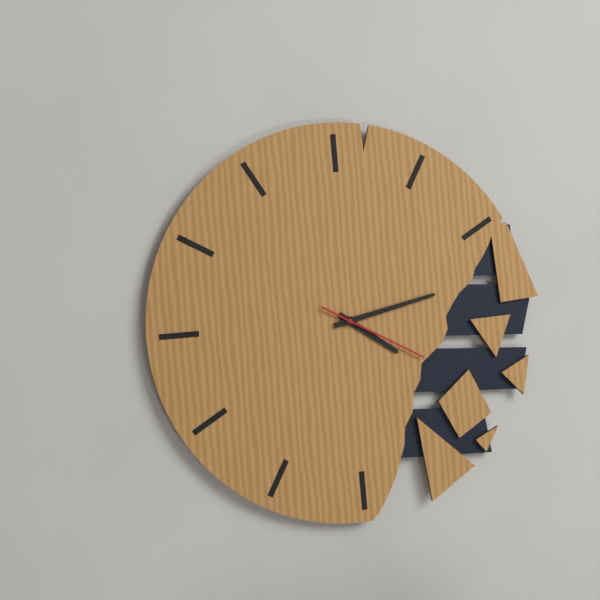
4:13:20
